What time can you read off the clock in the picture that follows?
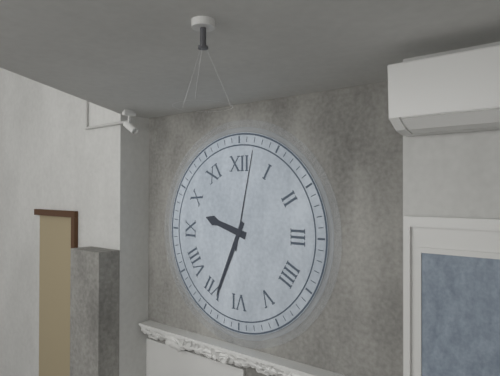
9:34:02
